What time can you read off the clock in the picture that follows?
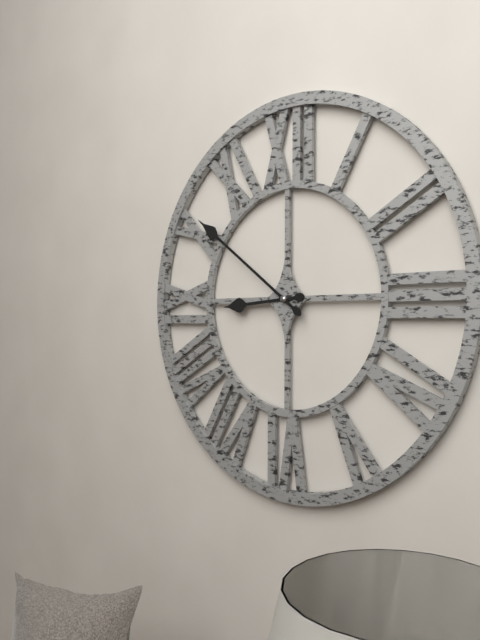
8:51
